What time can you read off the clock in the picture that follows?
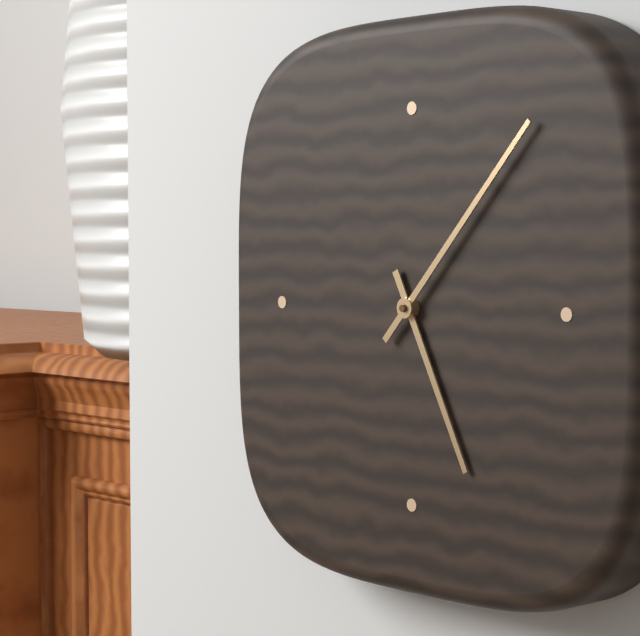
5:07
